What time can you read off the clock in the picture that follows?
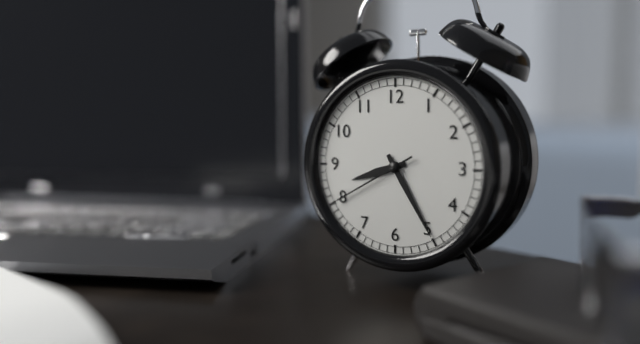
8:25:40
